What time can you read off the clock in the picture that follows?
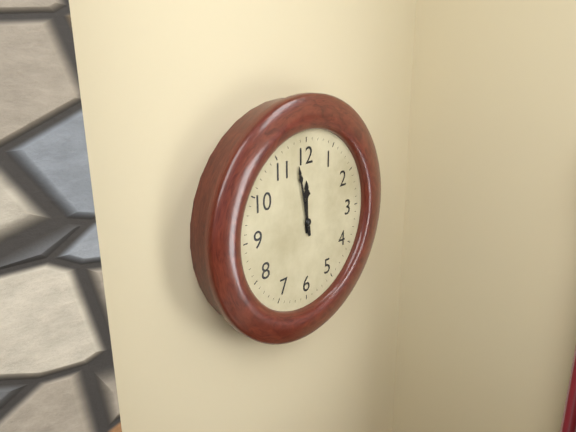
11:58
